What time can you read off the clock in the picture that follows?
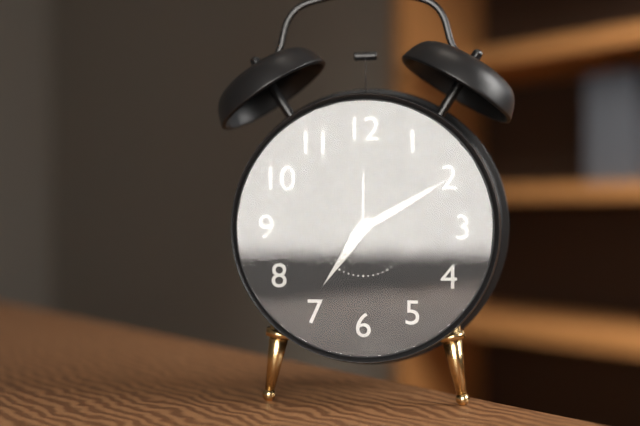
7:10
